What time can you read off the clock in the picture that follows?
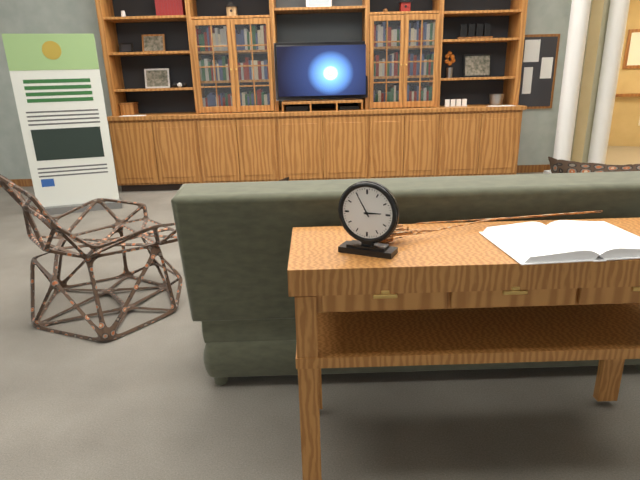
2:55
